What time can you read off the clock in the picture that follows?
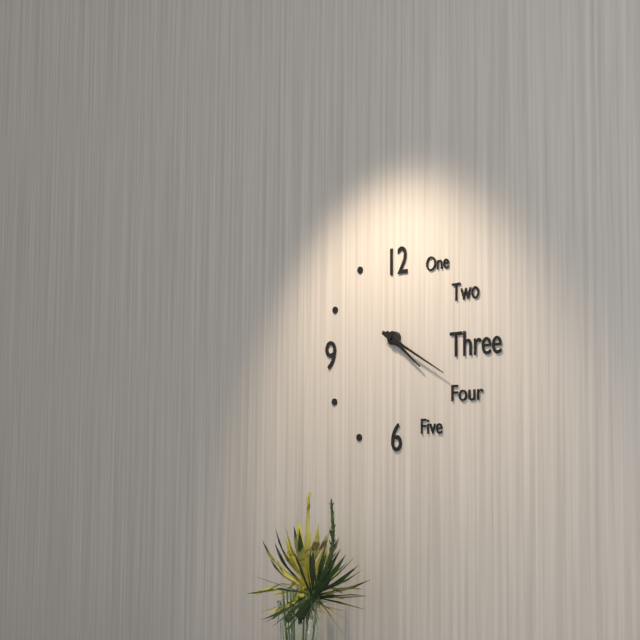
4:20
